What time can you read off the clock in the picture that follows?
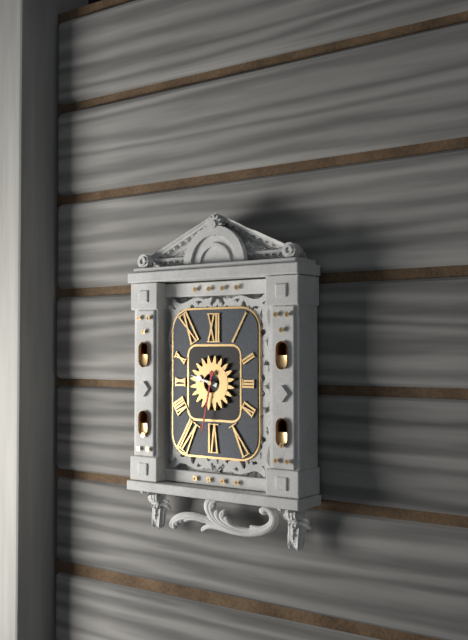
9:32
